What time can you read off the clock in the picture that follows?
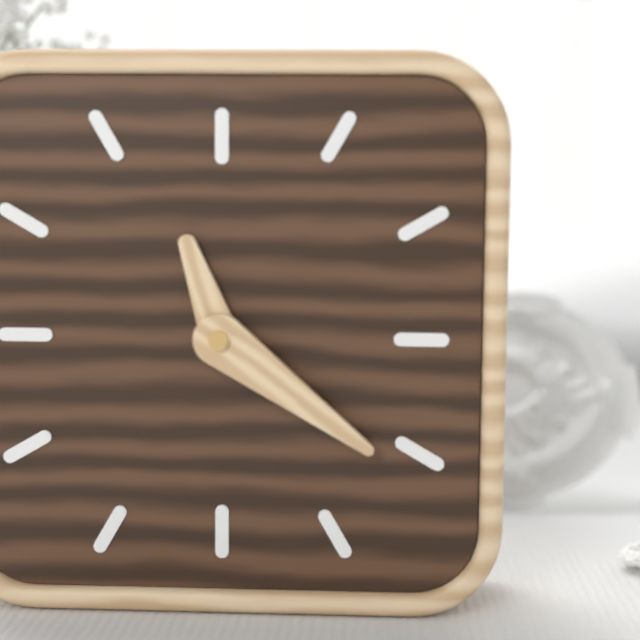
11:21
